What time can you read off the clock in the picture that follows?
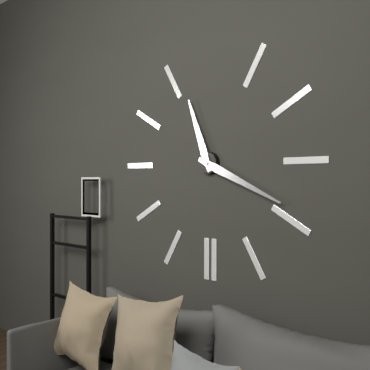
11:19
